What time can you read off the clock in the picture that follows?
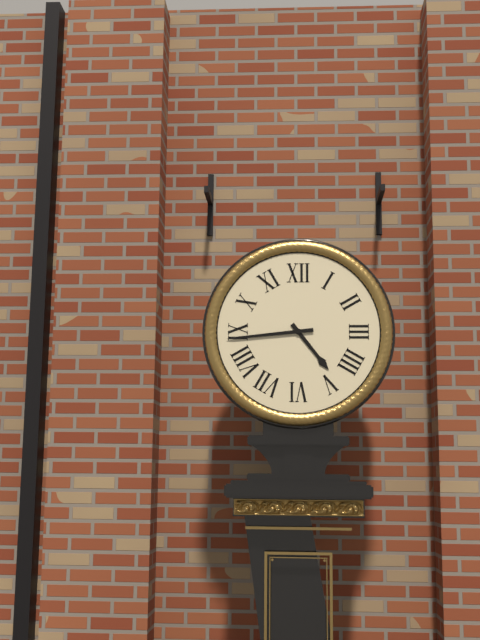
4:44
